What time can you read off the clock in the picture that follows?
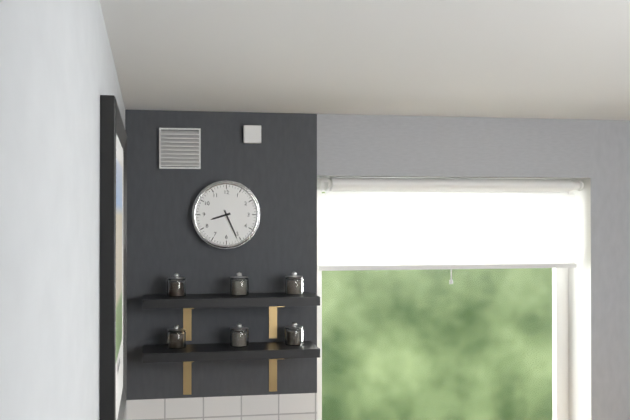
8:26
